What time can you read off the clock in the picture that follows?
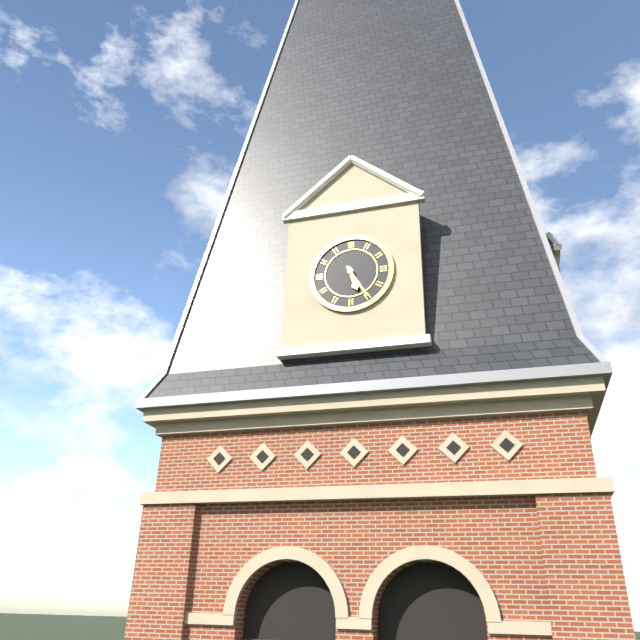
5:25
